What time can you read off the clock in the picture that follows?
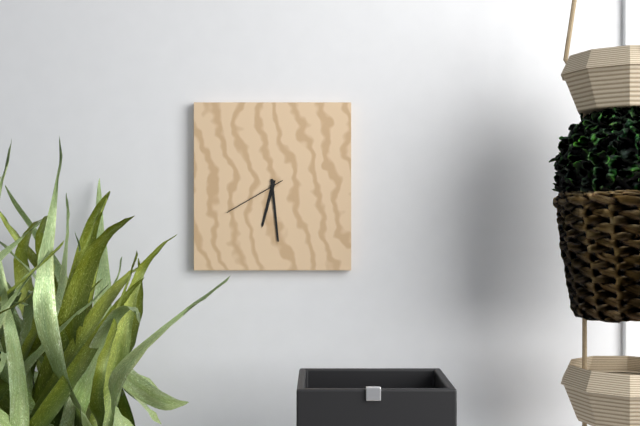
6:29:40
